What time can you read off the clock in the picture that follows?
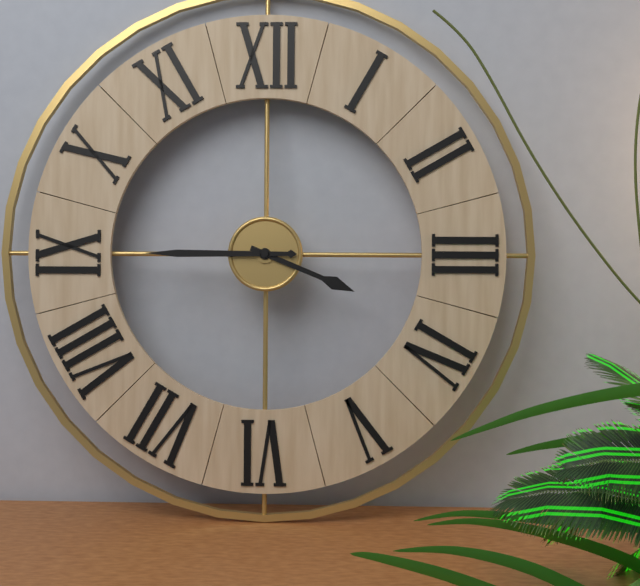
3:45
